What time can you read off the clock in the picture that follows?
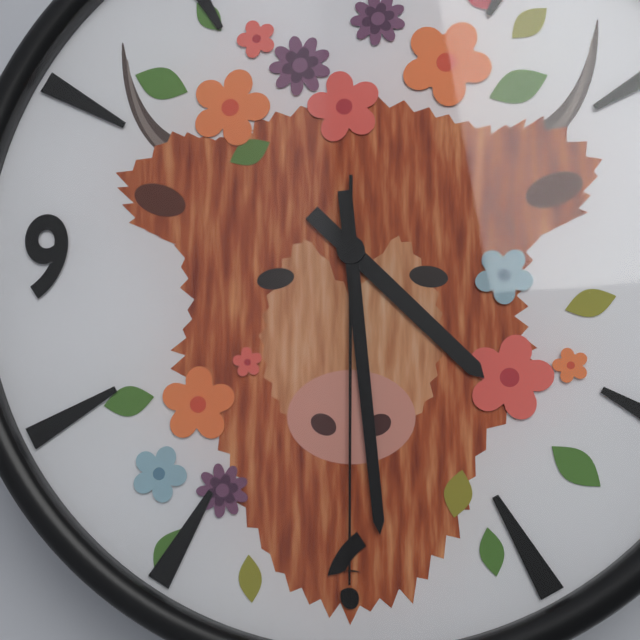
4:29:30
